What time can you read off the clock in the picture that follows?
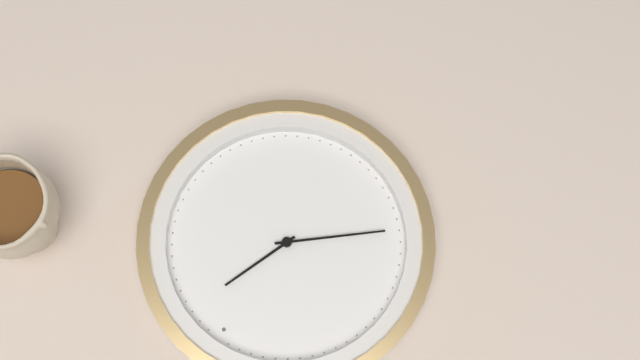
12:38
